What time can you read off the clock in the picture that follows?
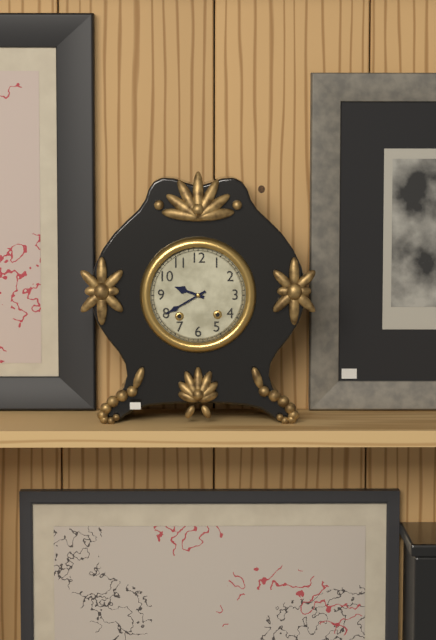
9:40
